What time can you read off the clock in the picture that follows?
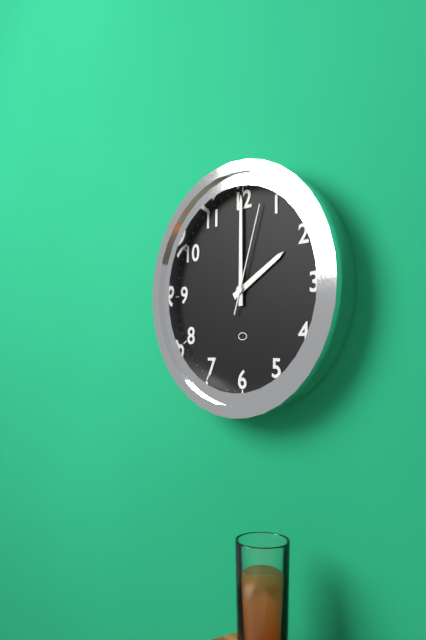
2:00:03
